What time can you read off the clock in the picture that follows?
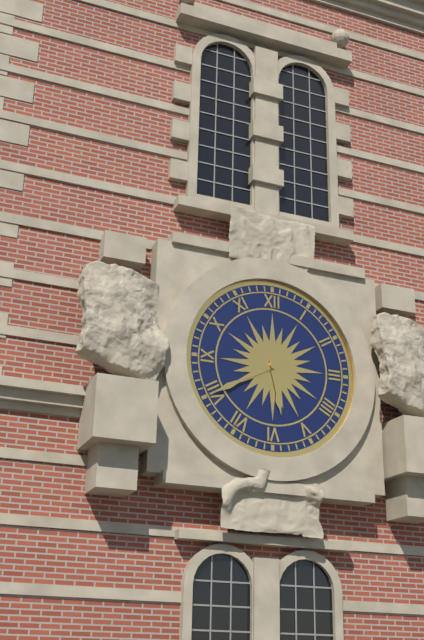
5:40
